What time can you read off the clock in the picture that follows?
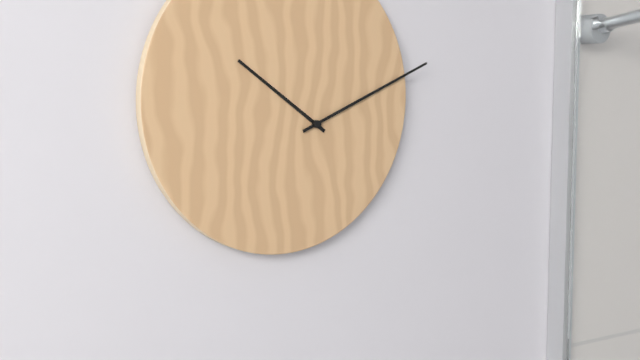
10:11
